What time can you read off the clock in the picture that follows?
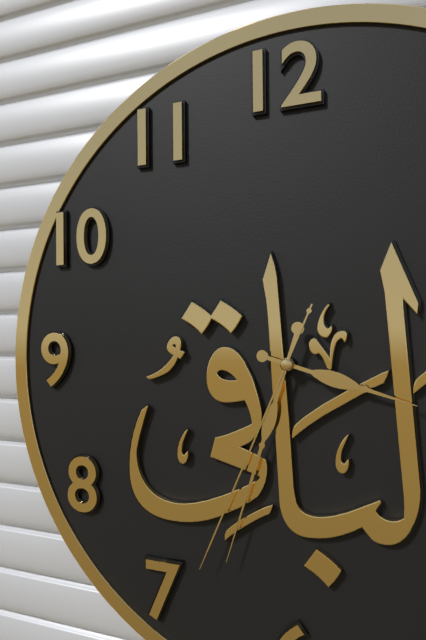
3:33:34
